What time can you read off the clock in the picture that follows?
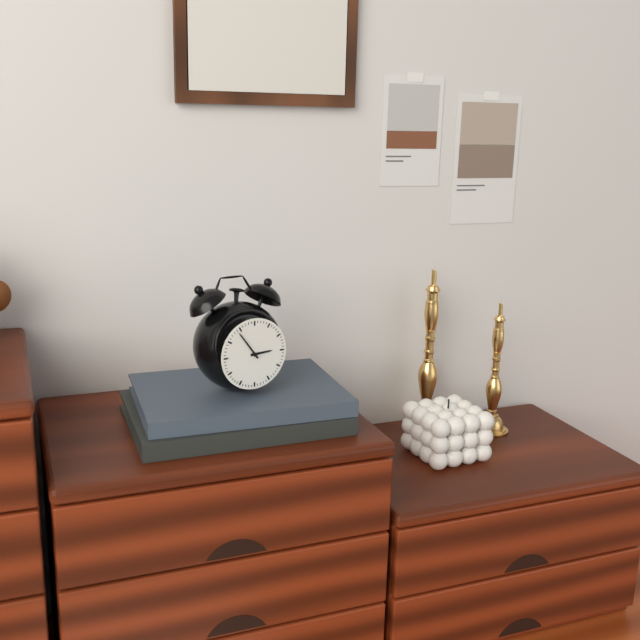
2:54
